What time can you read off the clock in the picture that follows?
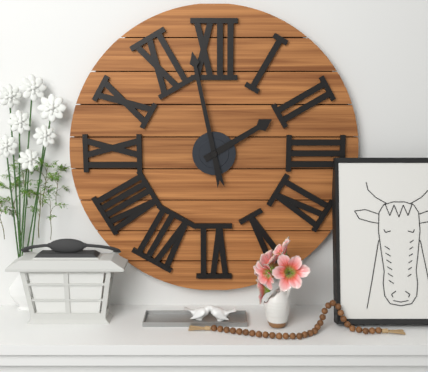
1:58
